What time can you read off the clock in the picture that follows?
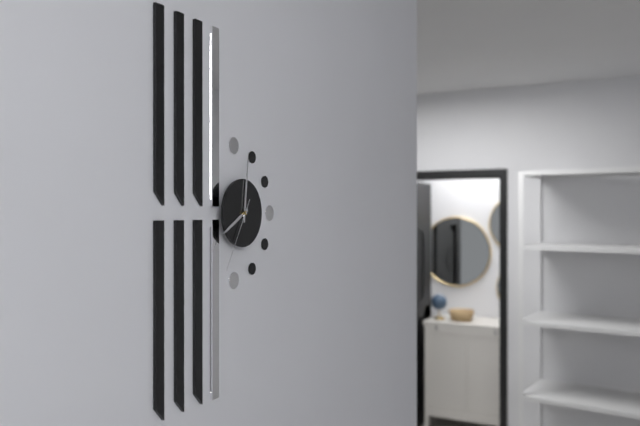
8:01:35
